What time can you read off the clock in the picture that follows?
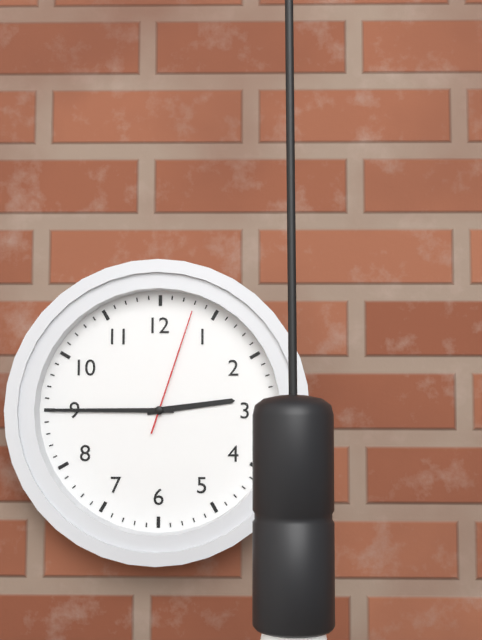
2:45:03
